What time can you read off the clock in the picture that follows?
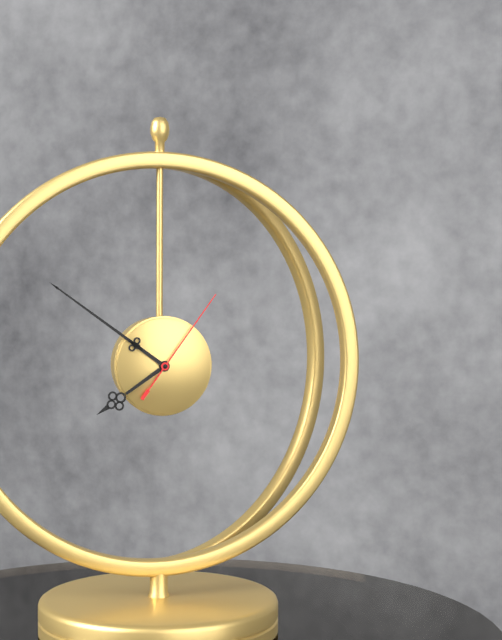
7:51:06
